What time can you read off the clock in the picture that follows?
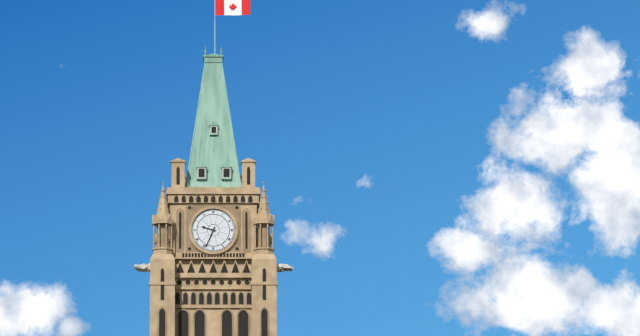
9:34
